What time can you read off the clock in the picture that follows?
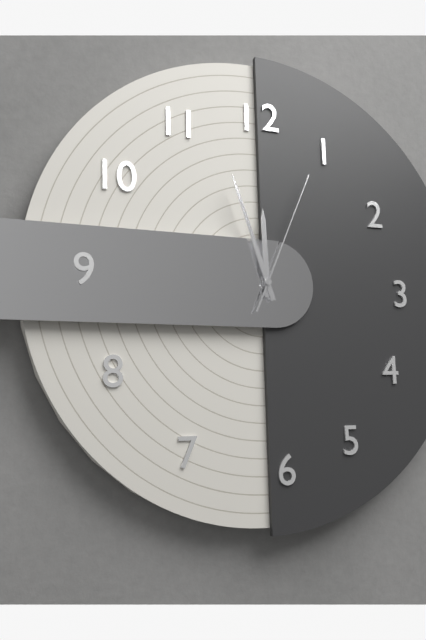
11:57:04
